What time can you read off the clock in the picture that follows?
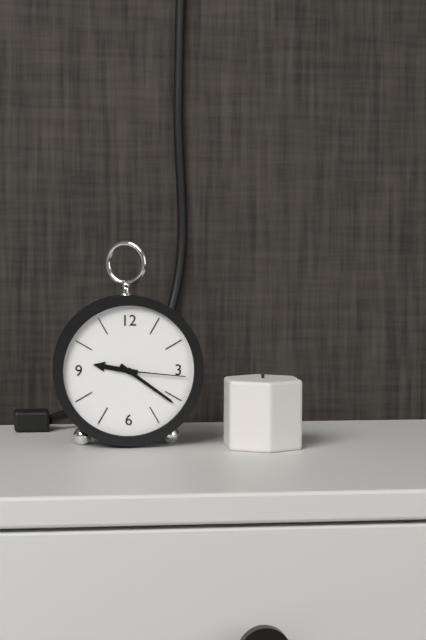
9:21:16
